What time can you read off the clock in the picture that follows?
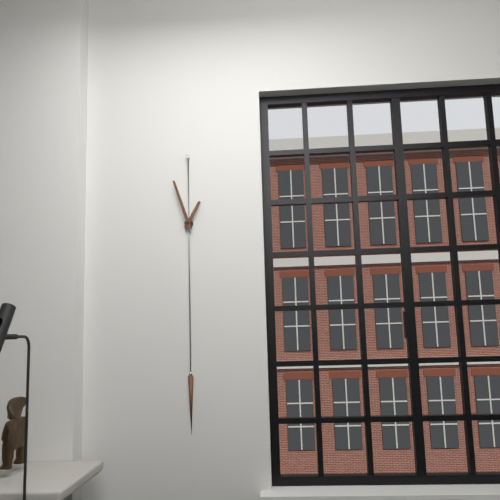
12:57
